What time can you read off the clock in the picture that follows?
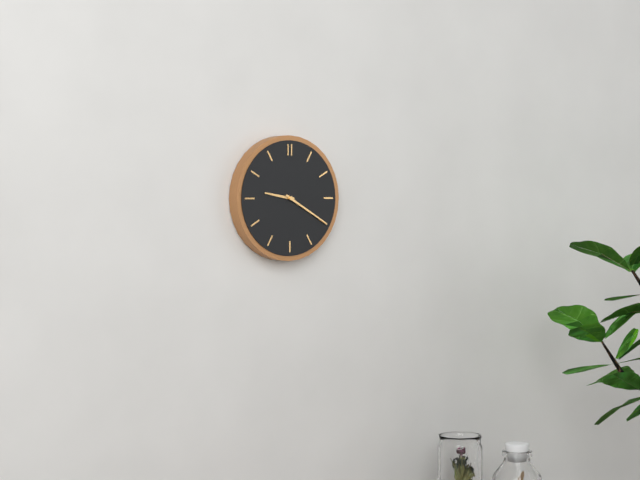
9:20
